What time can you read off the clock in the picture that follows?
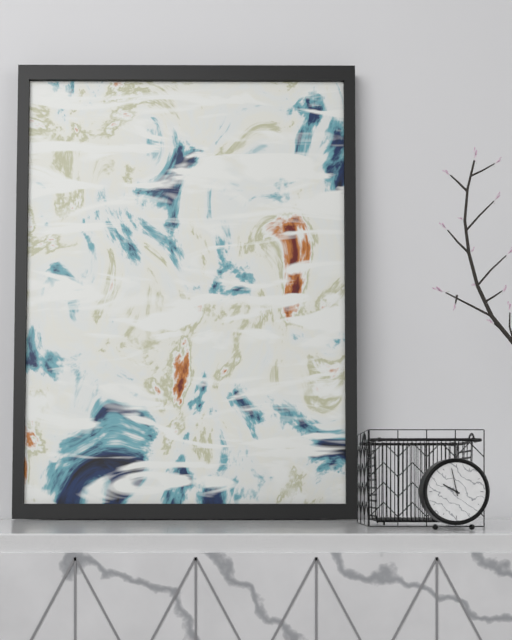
9:58
